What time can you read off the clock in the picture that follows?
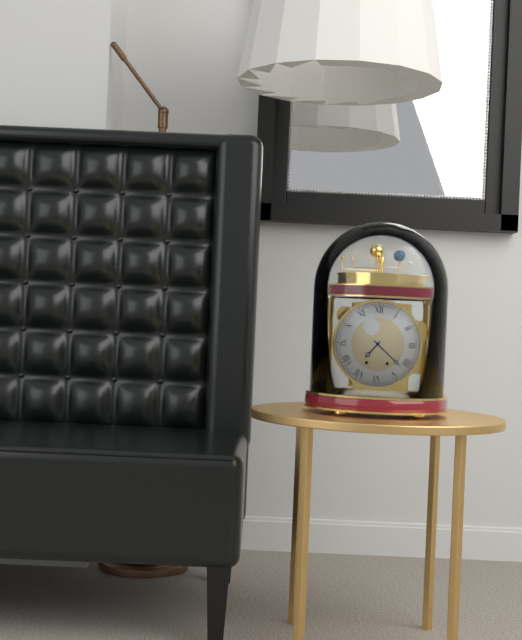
7:22
